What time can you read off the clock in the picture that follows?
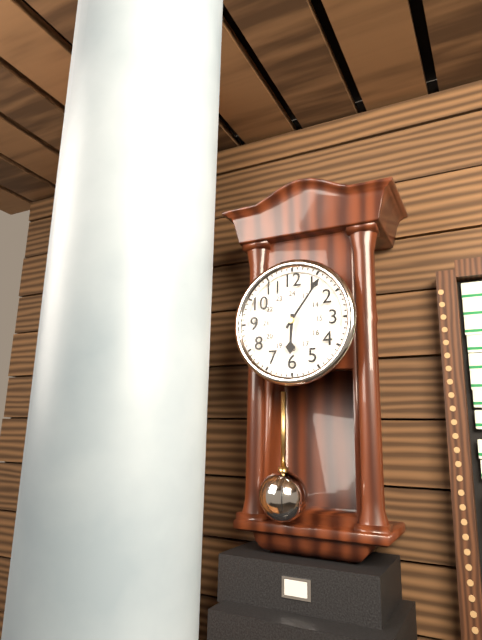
6:06
